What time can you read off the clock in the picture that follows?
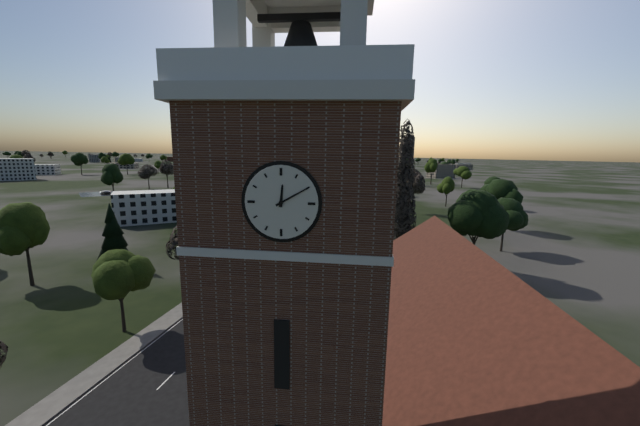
12:10
